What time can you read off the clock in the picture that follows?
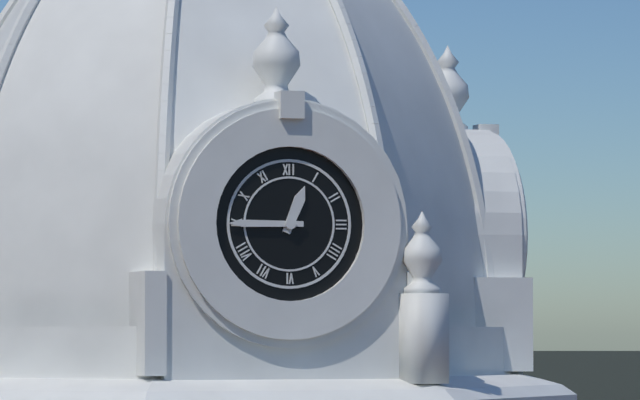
12:45
